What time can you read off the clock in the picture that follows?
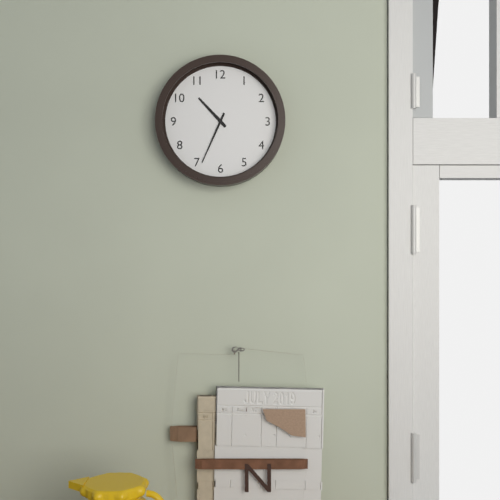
10:34
